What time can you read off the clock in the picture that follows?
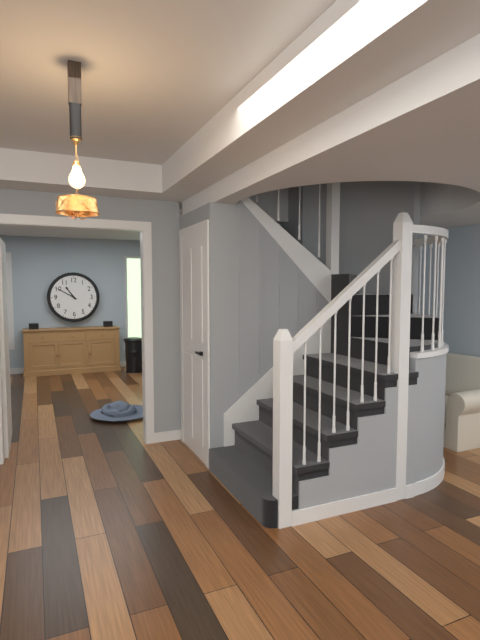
10:50
